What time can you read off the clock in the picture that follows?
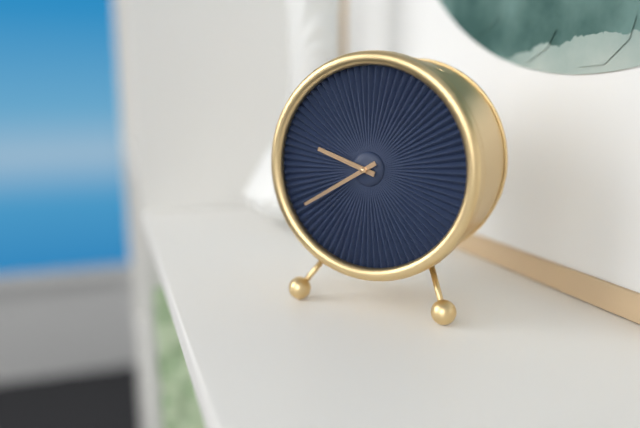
9:40
